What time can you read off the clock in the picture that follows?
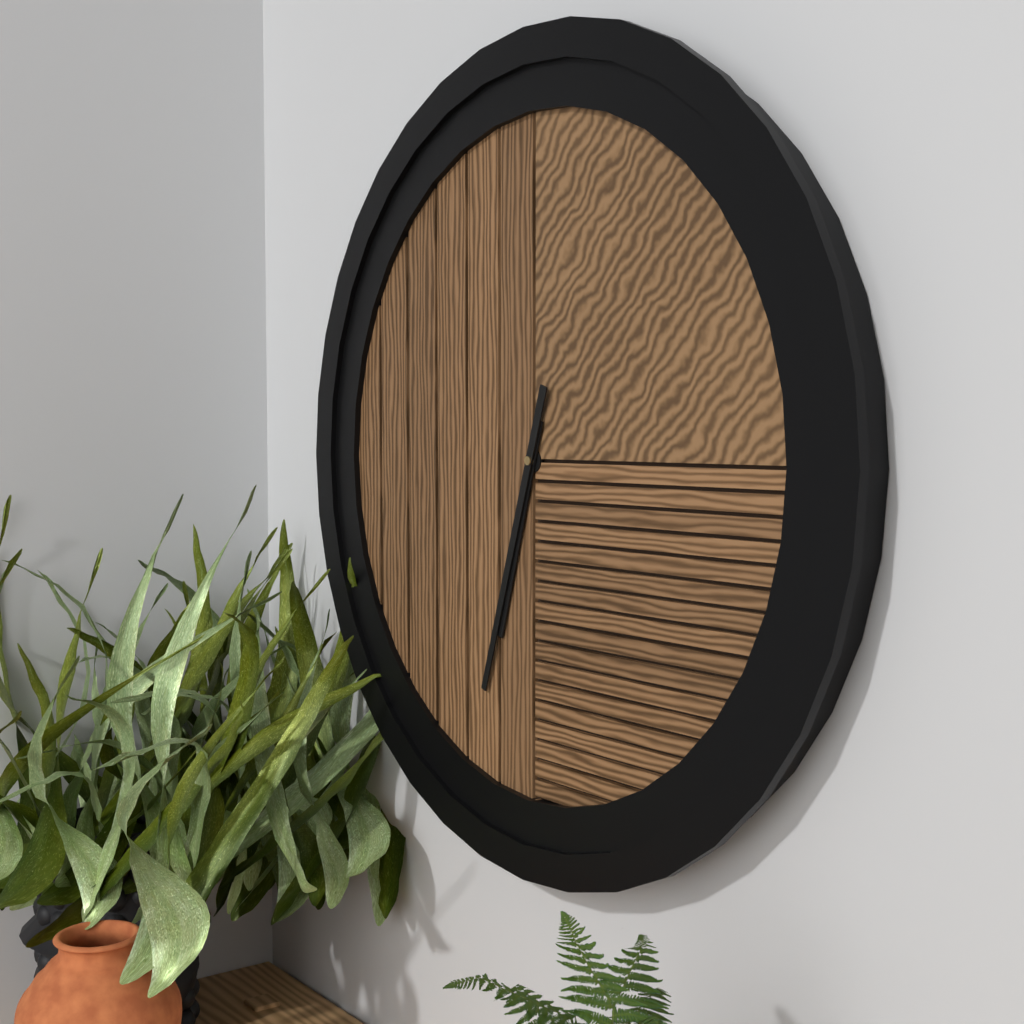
6:33
